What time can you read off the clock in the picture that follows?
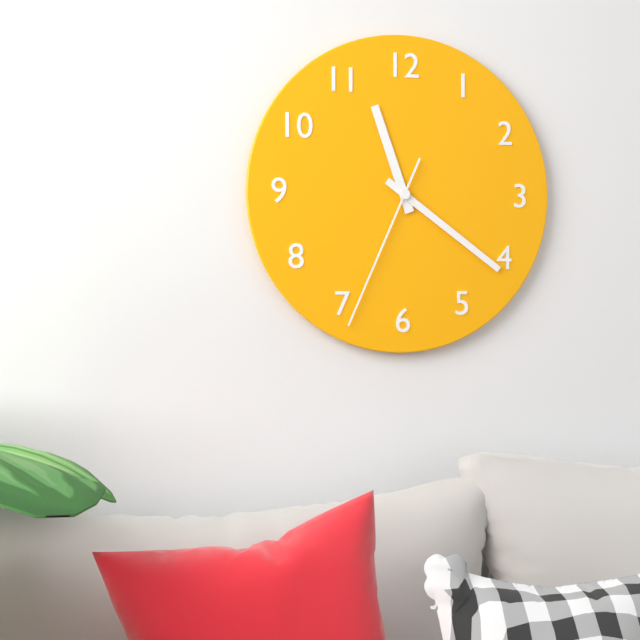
11:21:34
